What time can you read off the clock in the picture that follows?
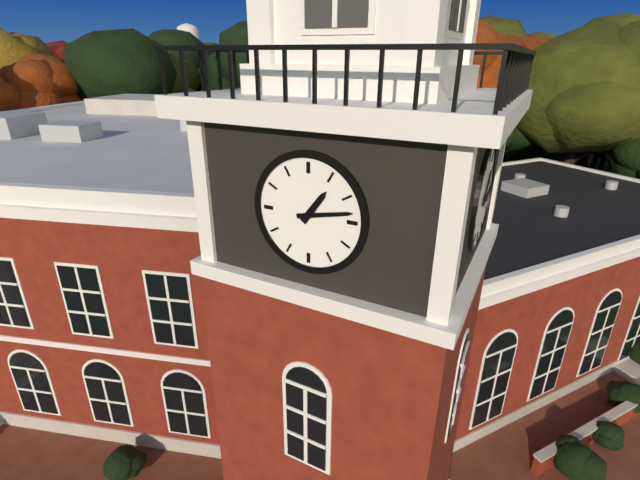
1:13
